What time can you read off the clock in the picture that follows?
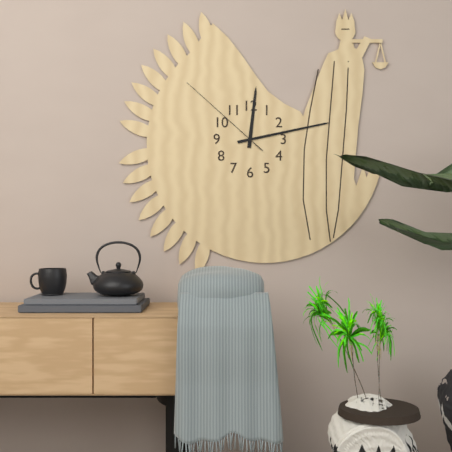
12:13:52
